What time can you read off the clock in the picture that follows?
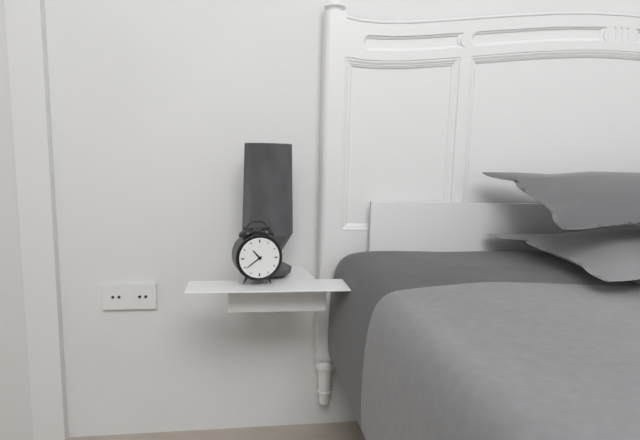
10:39
